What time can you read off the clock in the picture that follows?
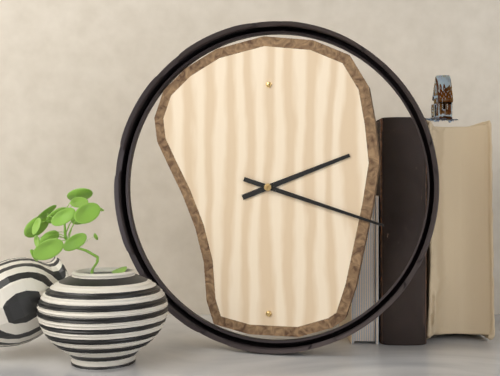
2:18
